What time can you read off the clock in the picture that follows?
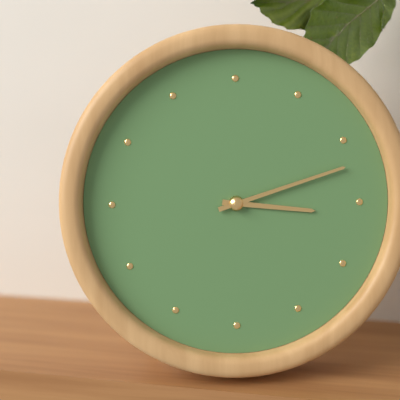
3:12
